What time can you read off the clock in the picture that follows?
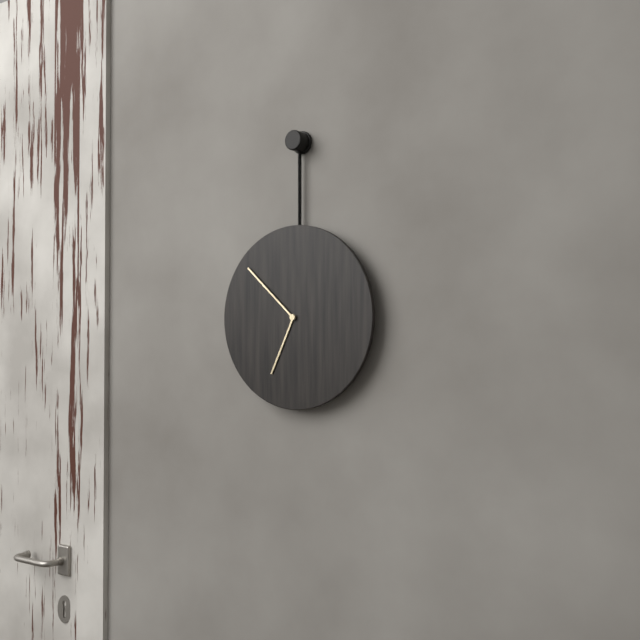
6:52
